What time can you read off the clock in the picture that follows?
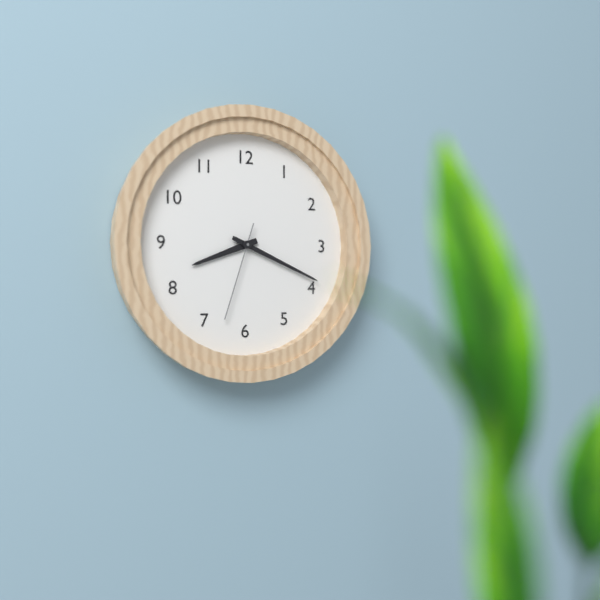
8:19:33
